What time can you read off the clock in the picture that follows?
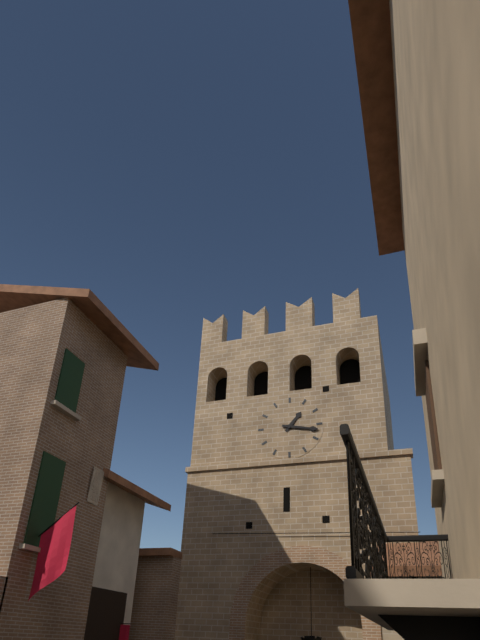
1:17
